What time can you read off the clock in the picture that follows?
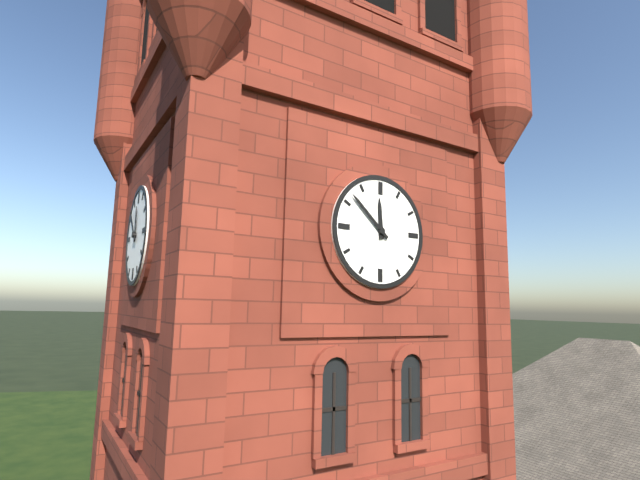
11:52
